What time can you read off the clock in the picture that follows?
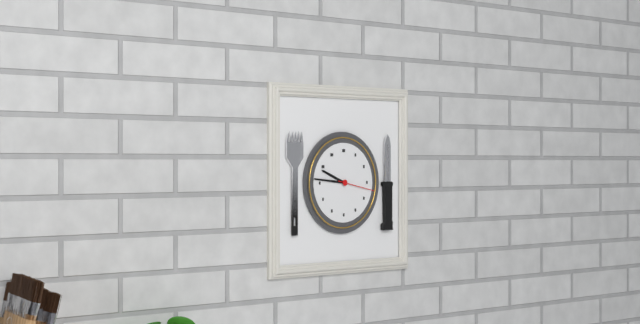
9:46
